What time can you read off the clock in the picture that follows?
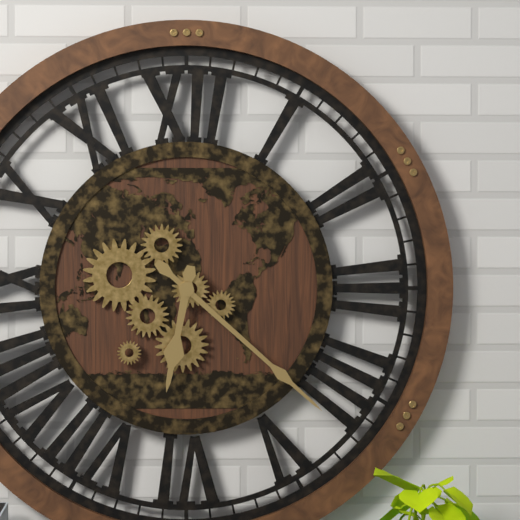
6:22
